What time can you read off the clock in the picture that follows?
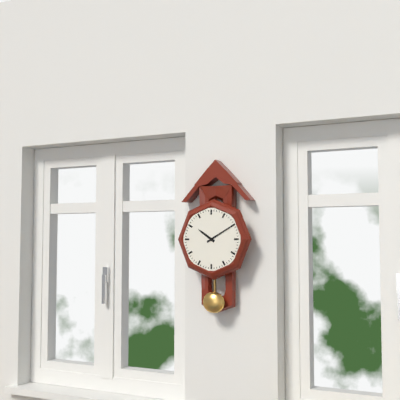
10:10
